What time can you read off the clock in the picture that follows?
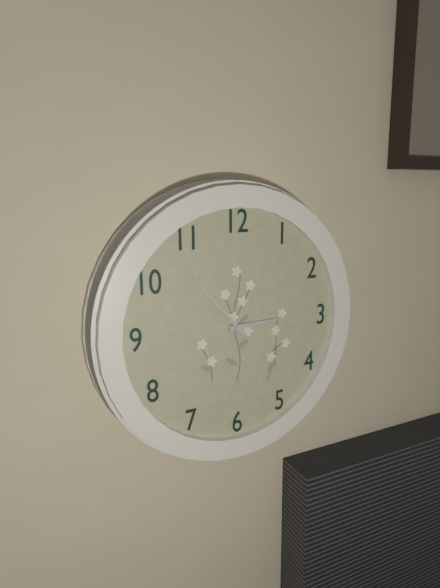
2:53
